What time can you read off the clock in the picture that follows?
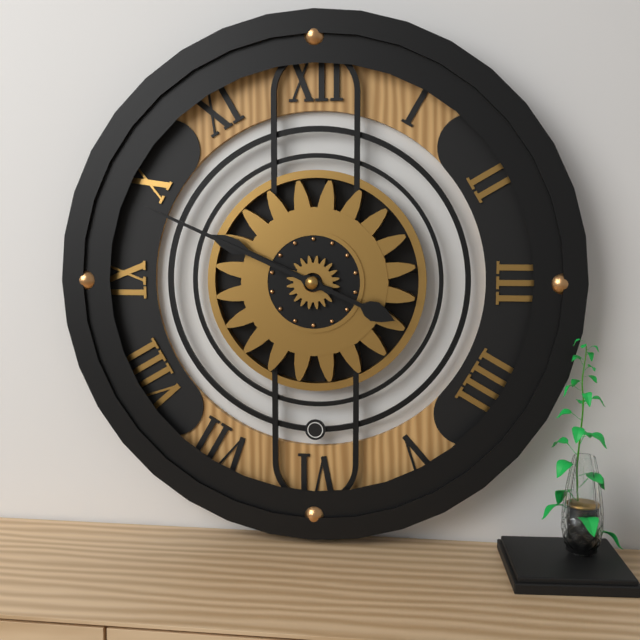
9:49
